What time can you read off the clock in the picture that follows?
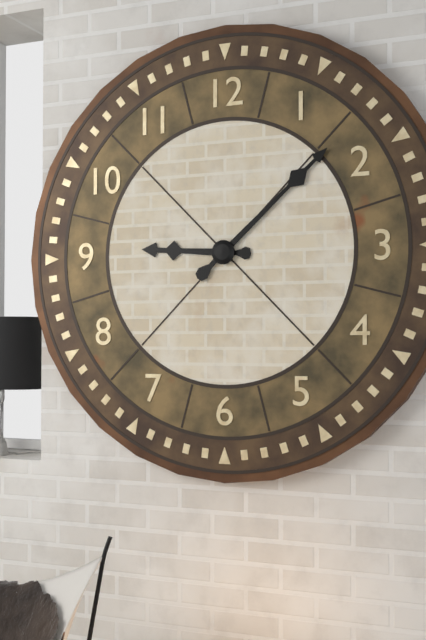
9:08
